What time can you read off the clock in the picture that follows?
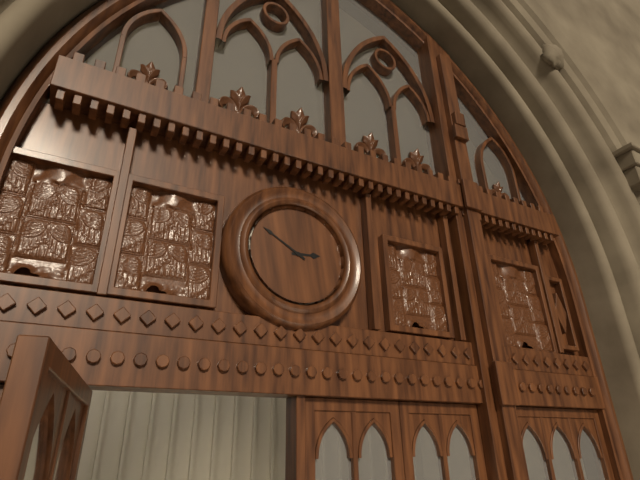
2:50
